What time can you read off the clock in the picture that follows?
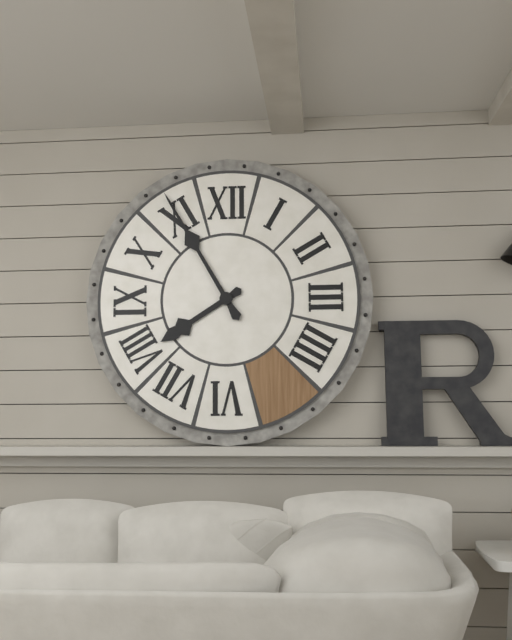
7:55
